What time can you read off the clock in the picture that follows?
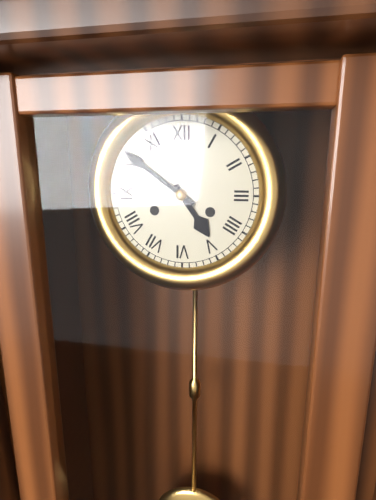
4:51
